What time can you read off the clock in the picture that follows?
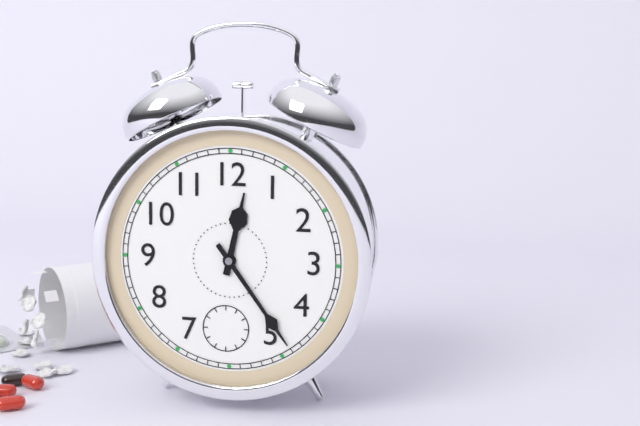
12:24
